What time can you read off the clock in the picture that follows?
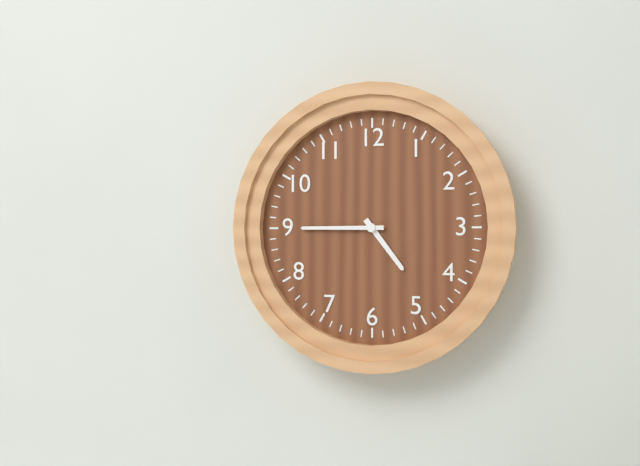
4:45
